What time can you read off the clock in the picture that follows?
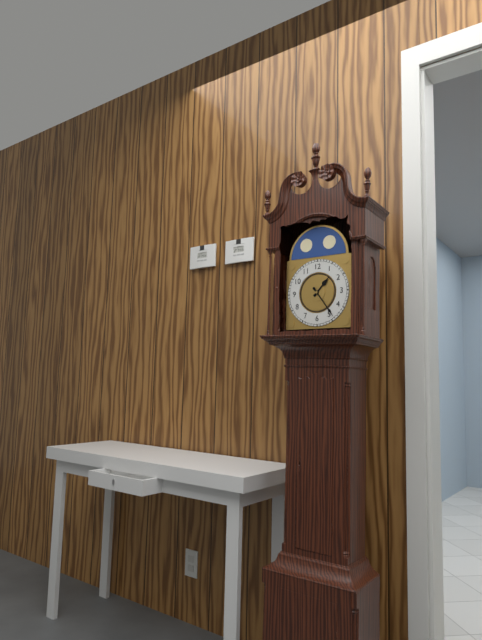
1:24
